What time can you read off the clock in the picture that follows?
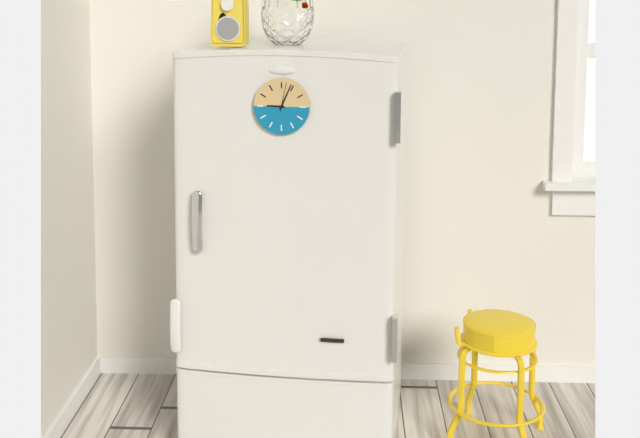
9:04
